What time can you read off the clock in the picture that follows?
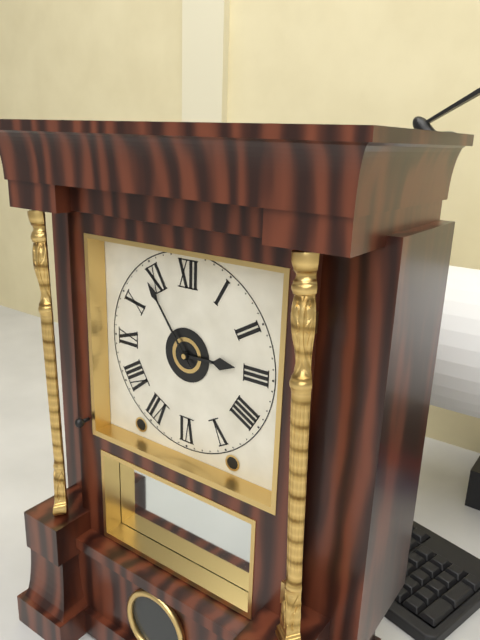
2:54
